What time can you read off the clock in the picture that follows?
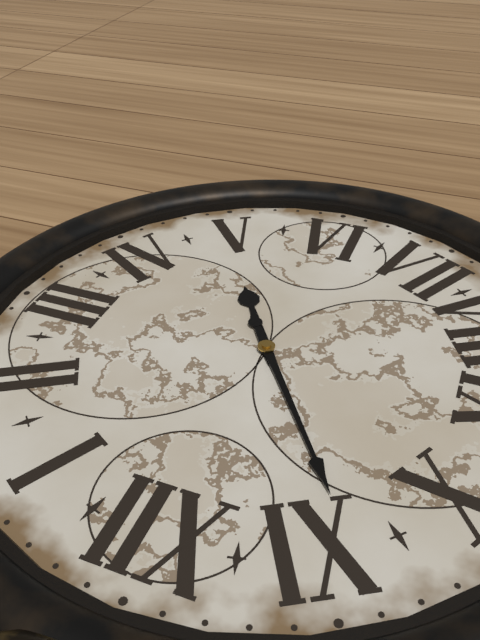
4:54
